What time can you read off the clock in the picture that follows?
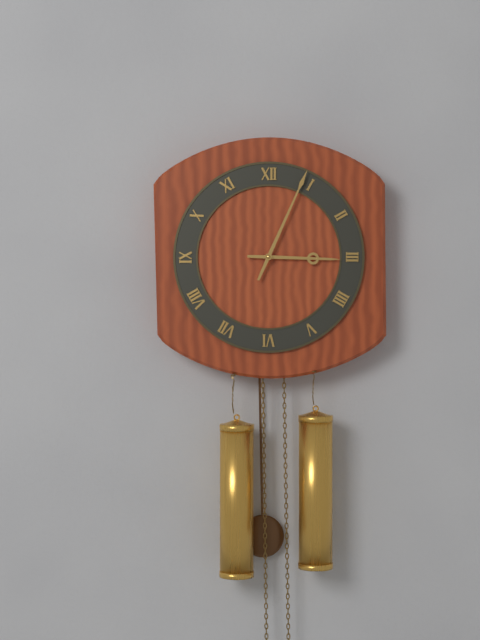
3:04
